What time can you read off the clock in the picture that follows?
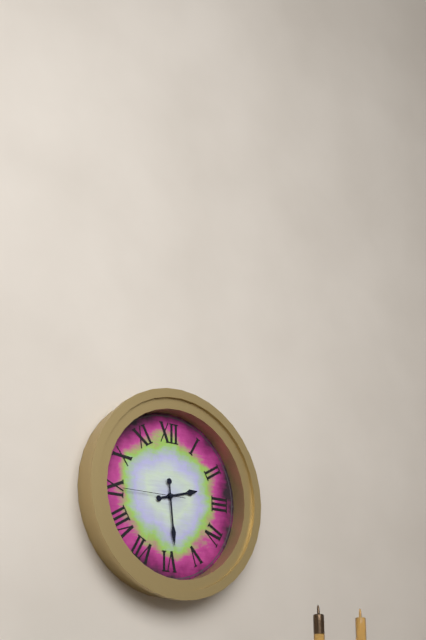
2:29:45
